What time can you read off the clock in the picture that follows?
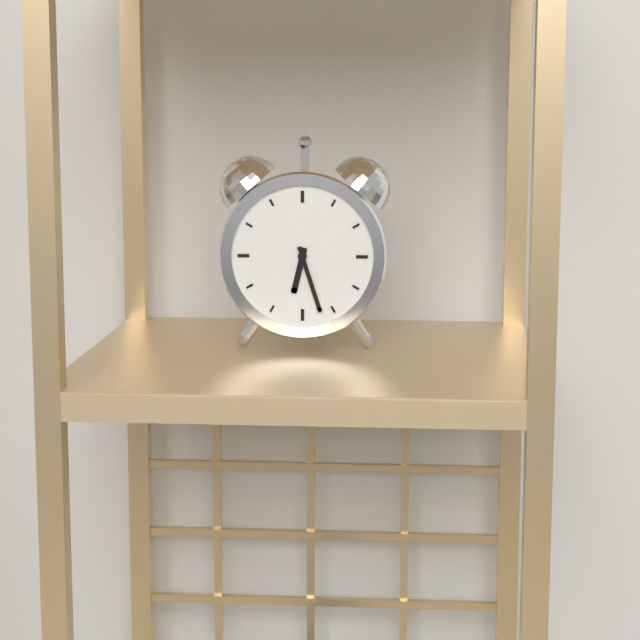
6:27
